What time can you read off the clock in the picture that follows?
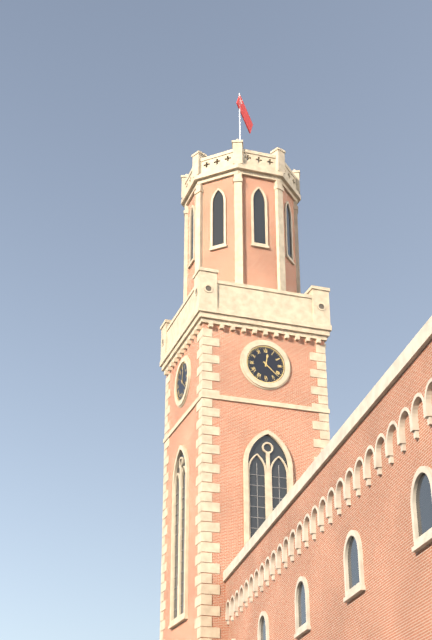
12:22
